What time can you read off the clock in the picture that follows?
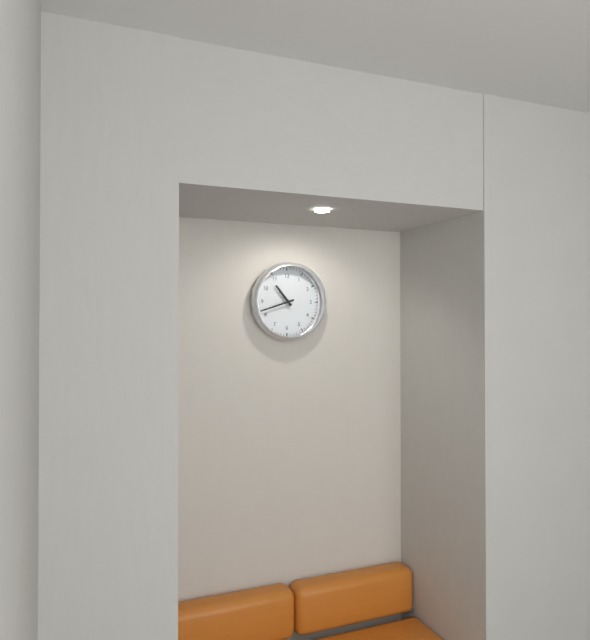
10:42
